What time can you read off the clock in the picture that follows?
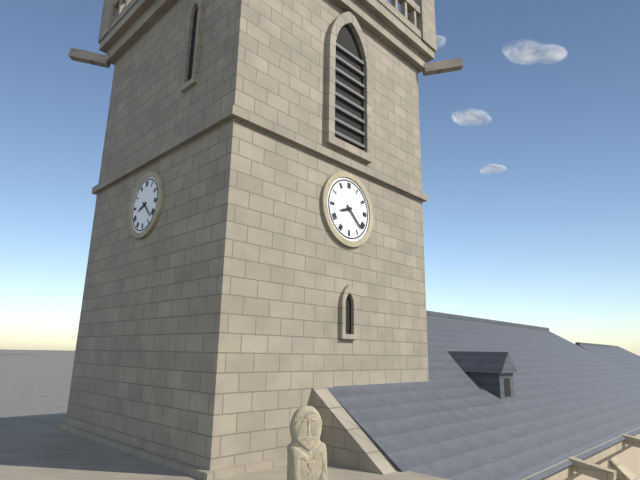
8:22
